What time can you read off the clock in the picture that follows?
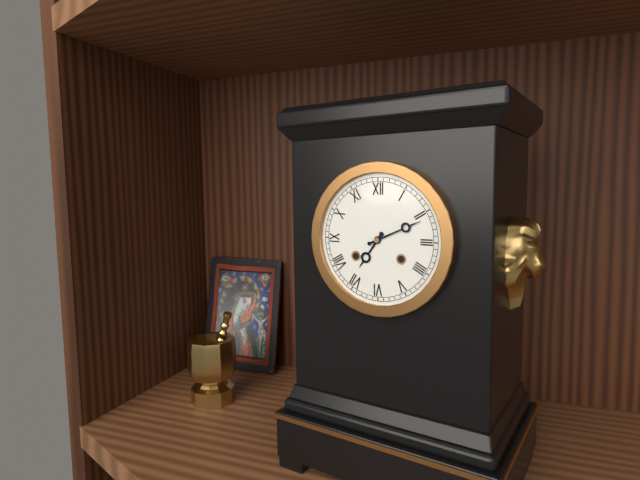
7:11
